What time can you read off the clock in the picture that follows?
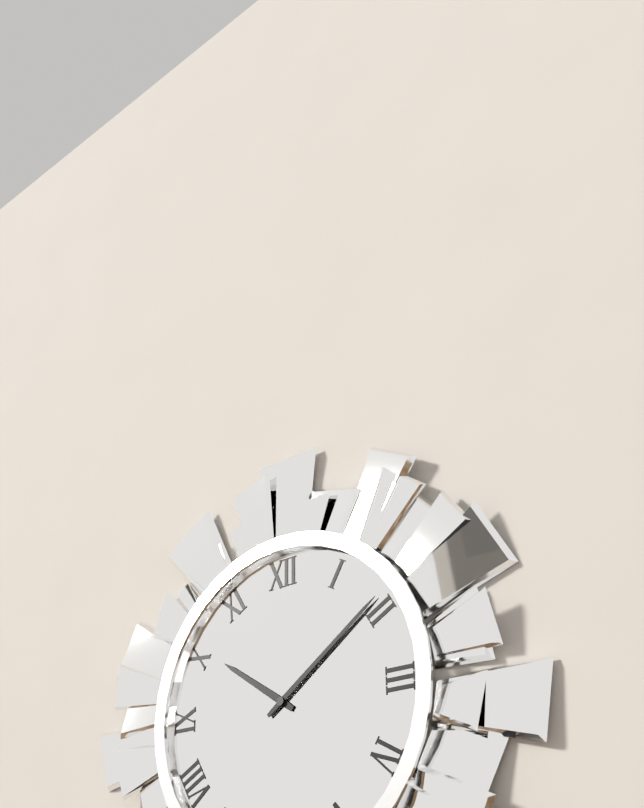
10:09
